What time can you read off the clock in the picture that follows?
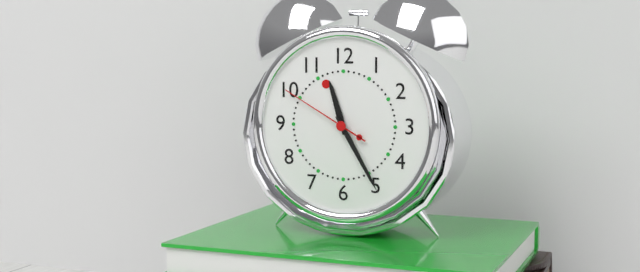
11:25:50
